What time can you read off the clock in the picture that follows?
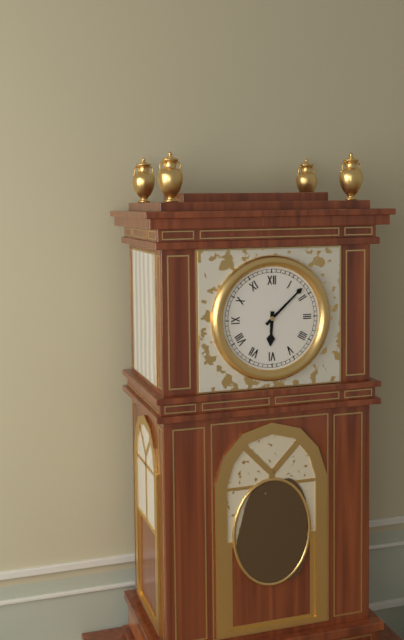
6:08
